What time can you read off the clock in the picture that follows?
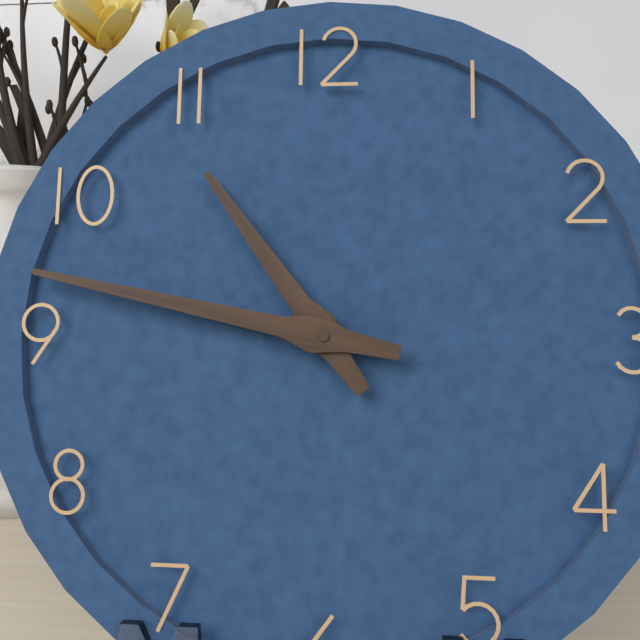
10:47
